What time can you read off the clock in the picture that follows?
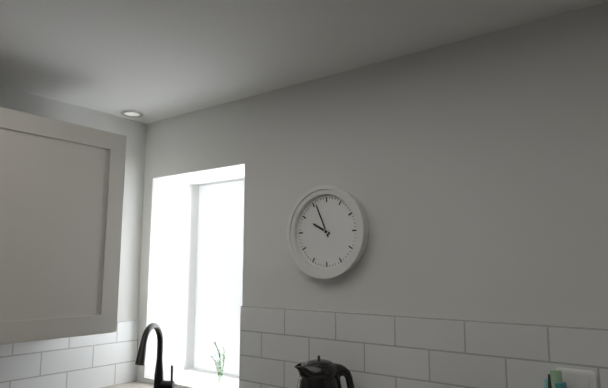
9:56
